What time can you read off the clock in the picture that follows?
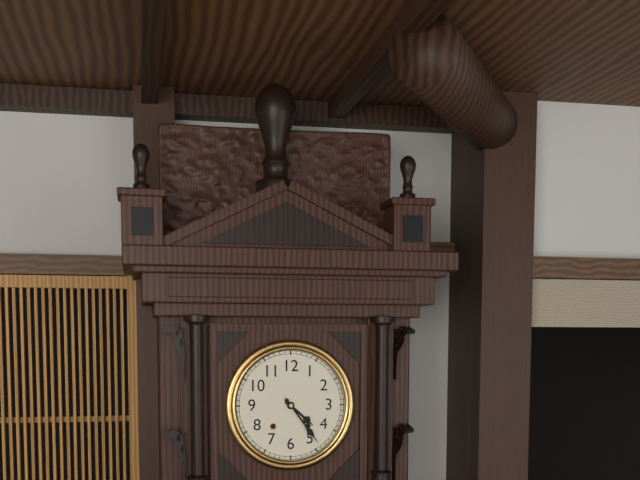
4:24
